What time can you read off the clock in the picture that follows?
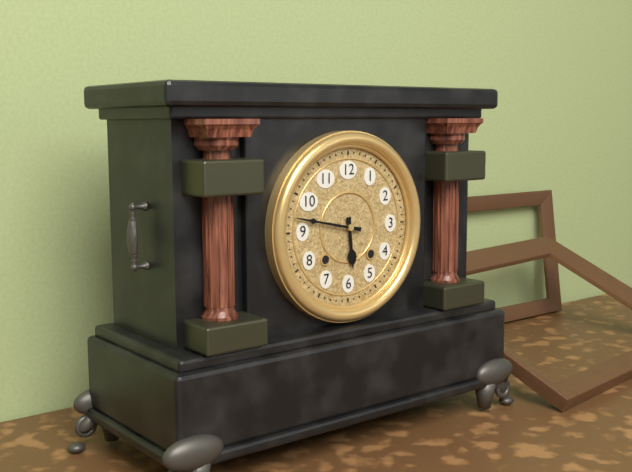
5:47
